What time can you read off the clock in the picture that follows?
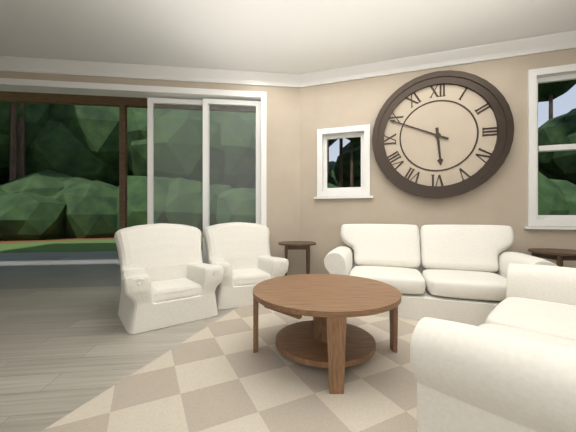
5:49
